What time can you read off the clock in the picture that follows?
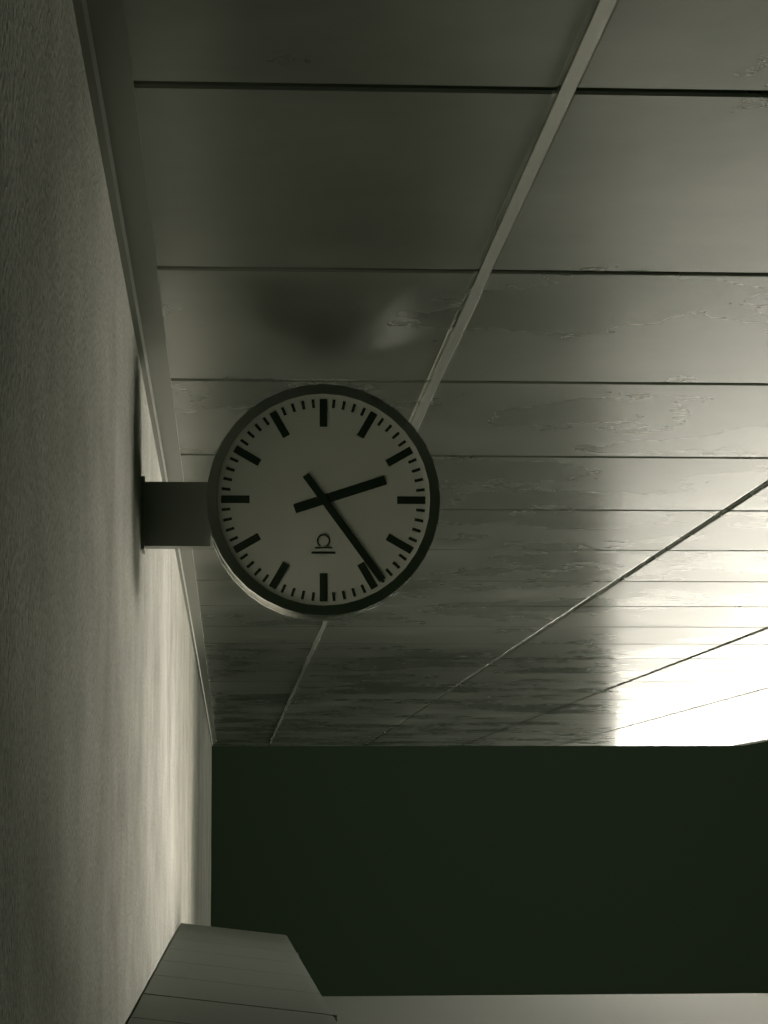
2:24
